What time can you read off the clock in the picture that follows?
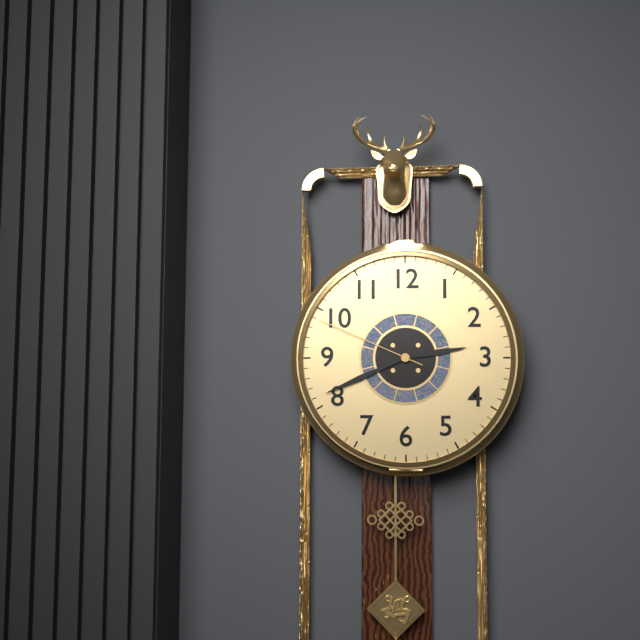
2:41:49
